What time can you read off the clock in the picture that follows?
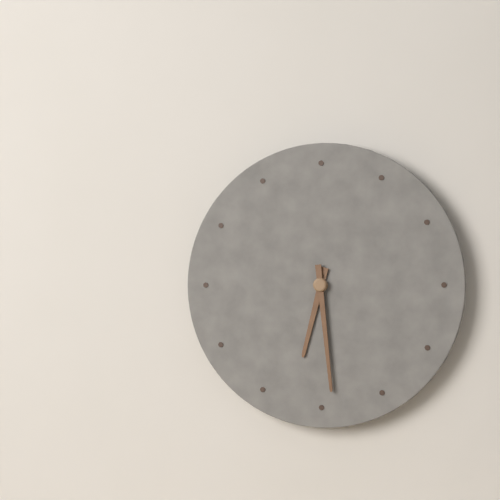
6:29
